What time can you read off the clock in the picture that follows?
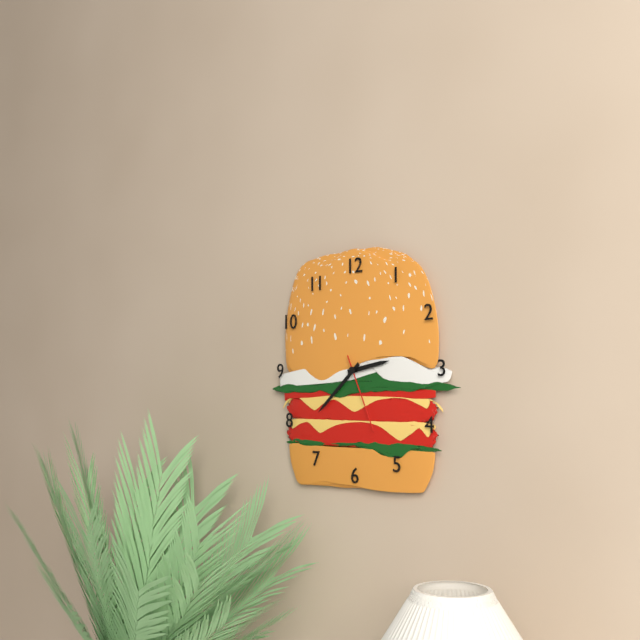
2:38:26
